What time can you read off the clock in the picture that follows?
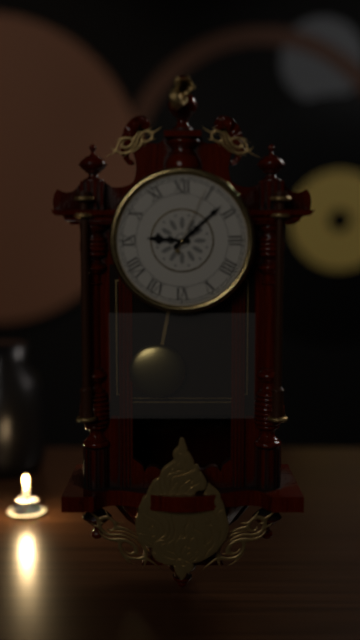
9:08:04
